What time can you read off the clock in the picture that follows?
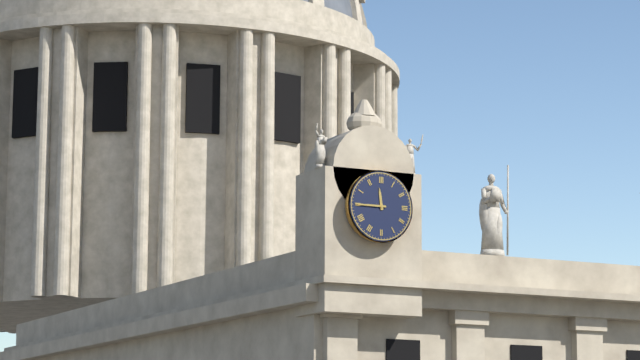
11:45
